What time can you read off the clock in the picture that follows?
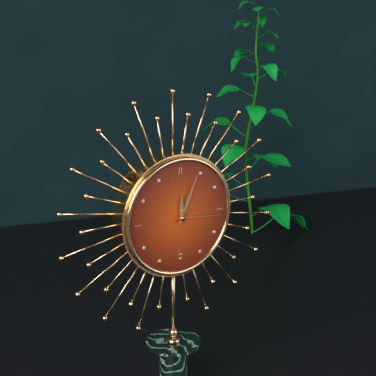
12:04:16
